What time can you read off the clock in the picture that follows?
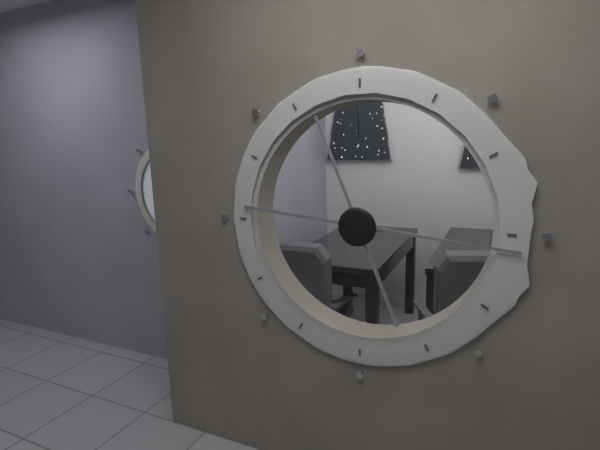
11:16
